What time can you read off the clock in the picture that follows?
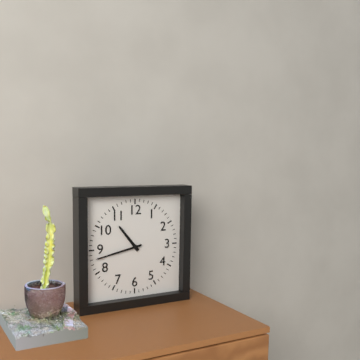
10:43
